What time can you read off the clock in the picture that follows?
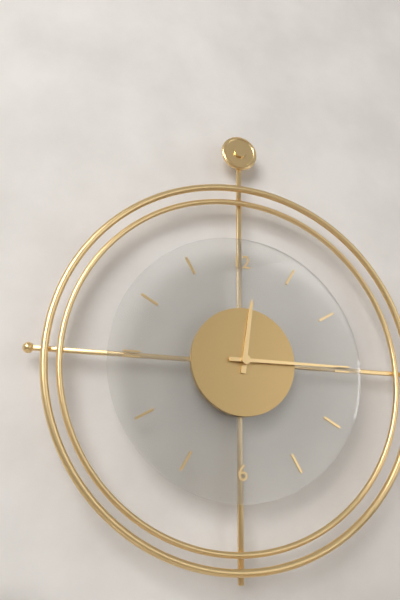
12:15
